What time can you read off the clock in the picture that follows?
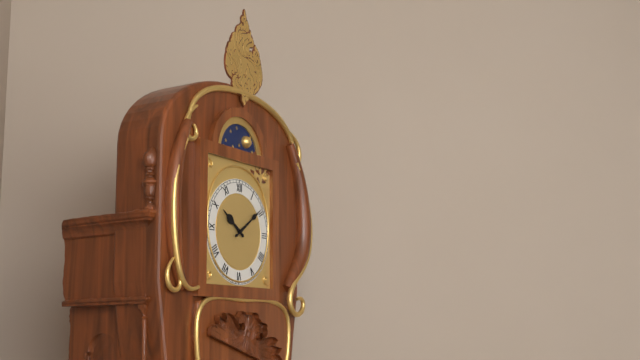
10:09
